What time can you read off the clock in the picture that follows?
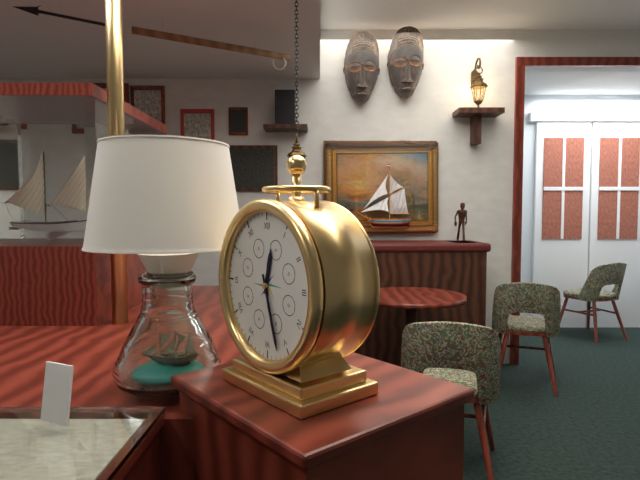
12:27
